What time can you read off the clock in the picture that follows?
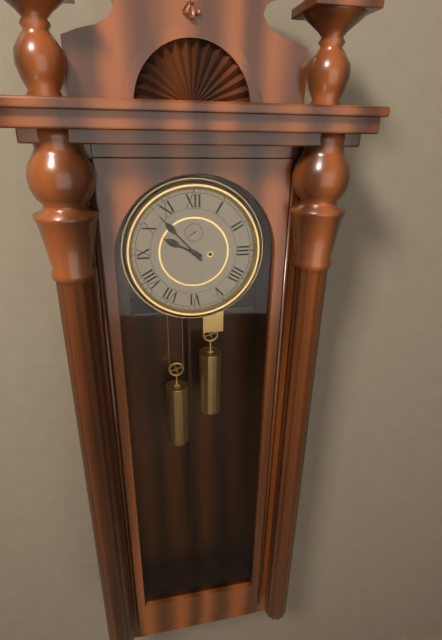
9:53
